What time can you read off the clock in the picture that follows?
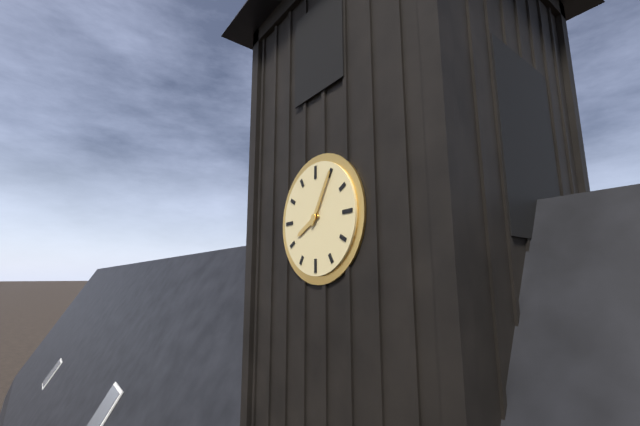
8:05
